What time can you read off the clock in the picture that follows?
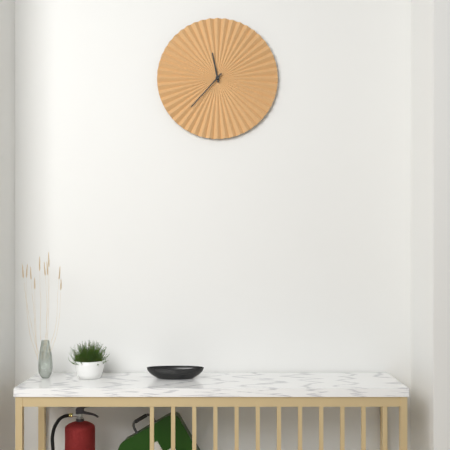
11:37
